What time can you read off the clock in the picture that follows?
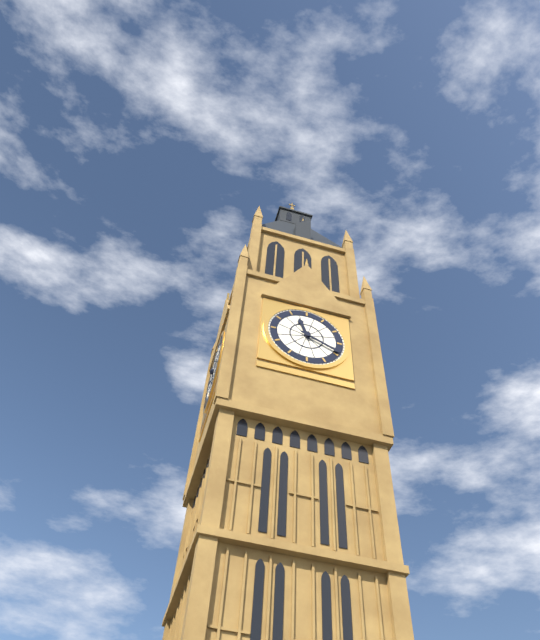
11:19
